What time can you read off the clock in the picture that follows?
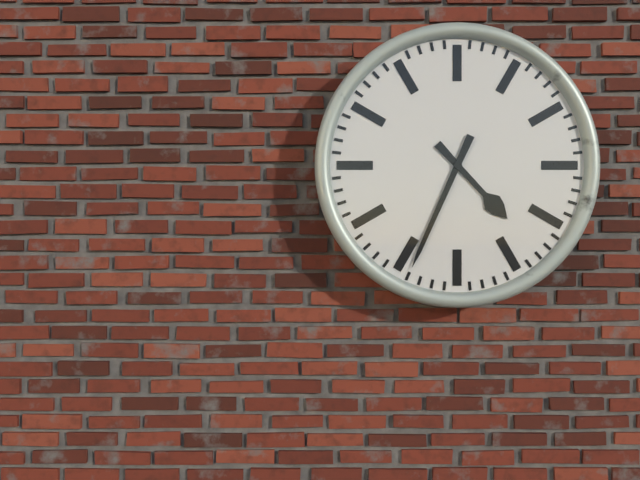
4:34
